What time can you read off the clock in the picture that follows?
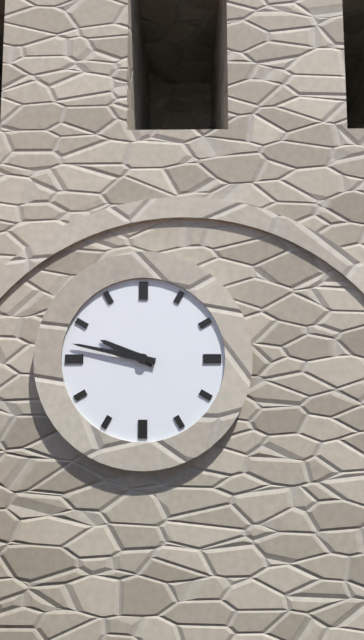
9:47
